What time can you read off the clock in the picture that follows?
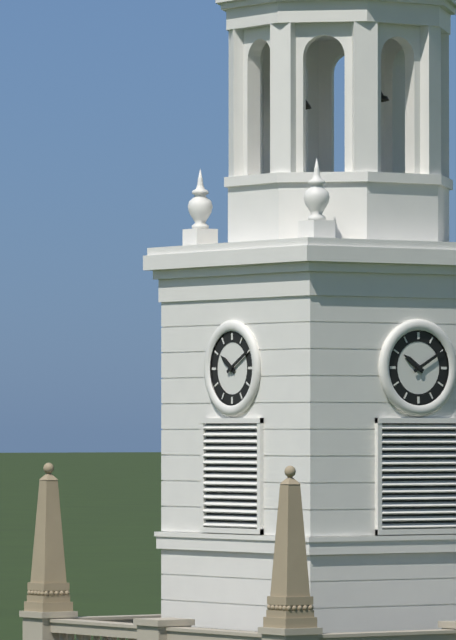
10:10
